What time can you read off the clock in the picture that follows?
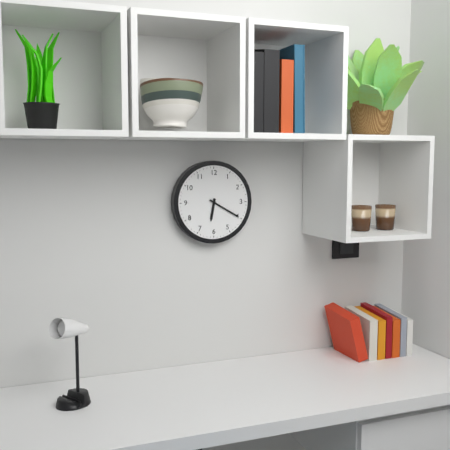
6:20
